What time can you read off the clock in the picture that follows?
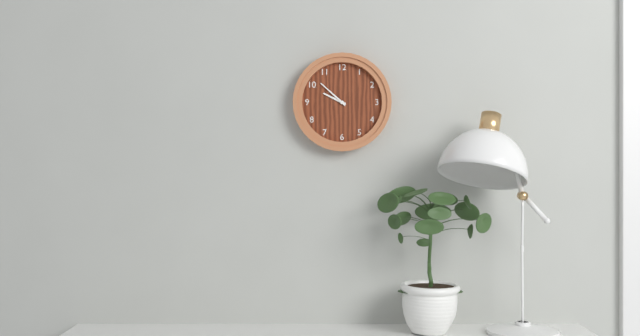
9:52
